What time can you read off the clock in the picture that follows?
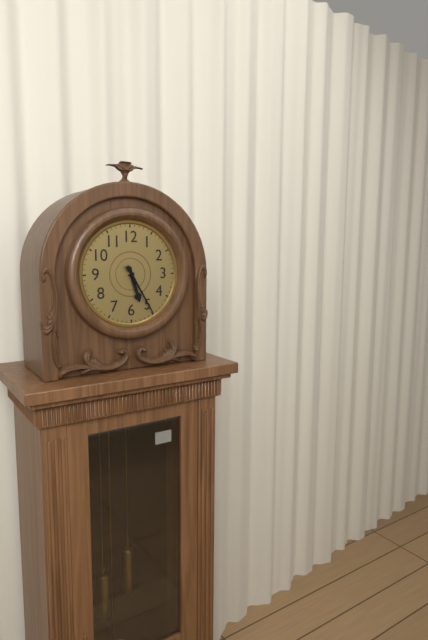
5:25
